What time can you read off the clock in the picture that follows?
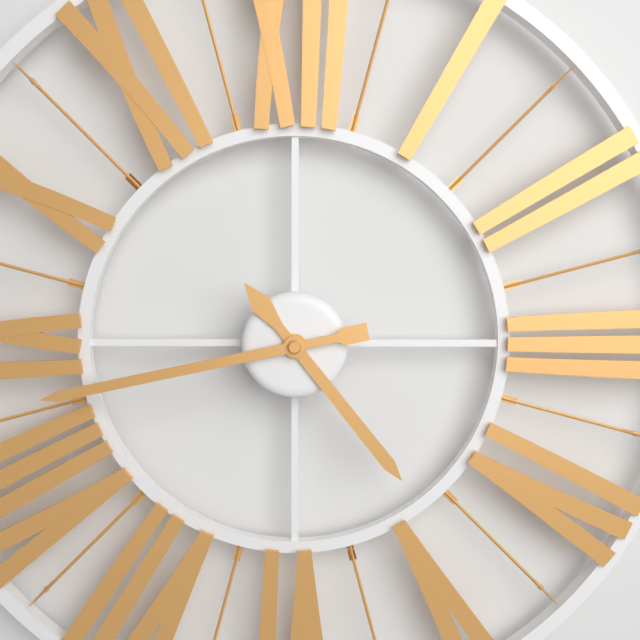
4:43
